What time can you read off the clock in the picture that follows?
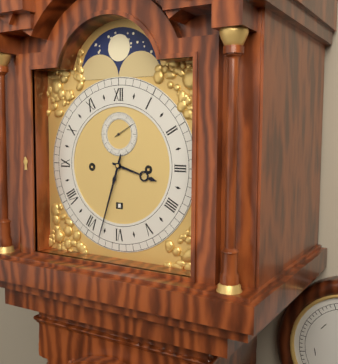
3:33
